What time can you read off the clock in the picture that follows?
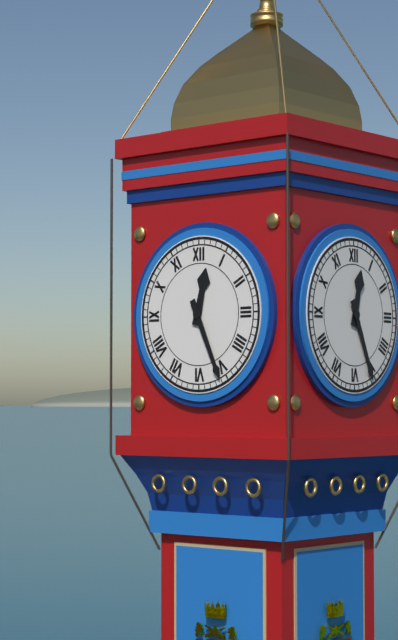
12:26
